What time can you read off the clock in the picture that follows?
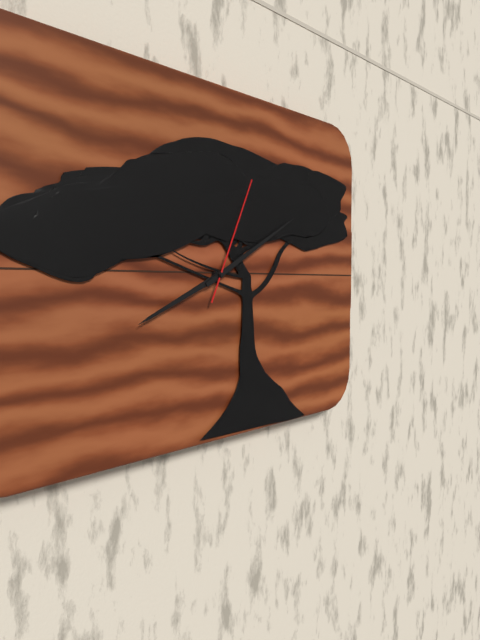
8:10:04
